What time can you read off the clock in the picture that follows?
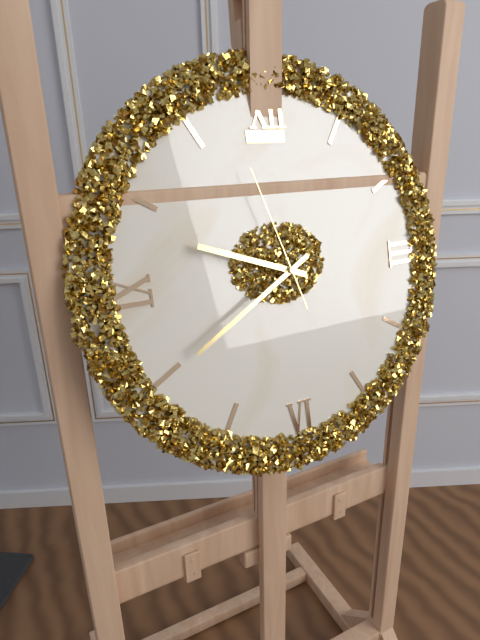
9:40:57
